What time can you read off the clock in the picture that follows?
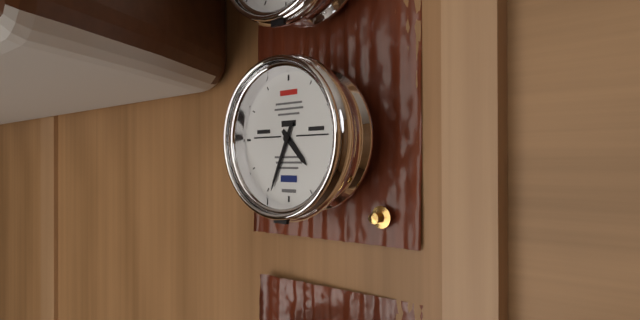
4:34
